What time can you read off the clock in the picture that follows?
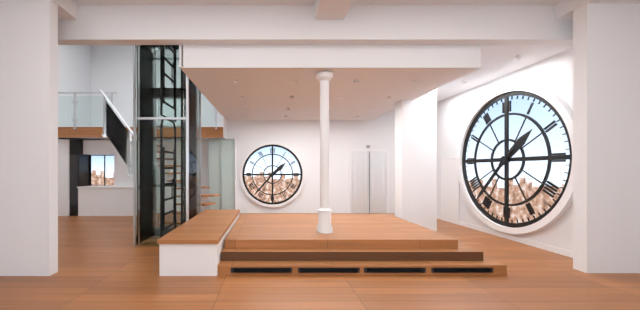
1:37
